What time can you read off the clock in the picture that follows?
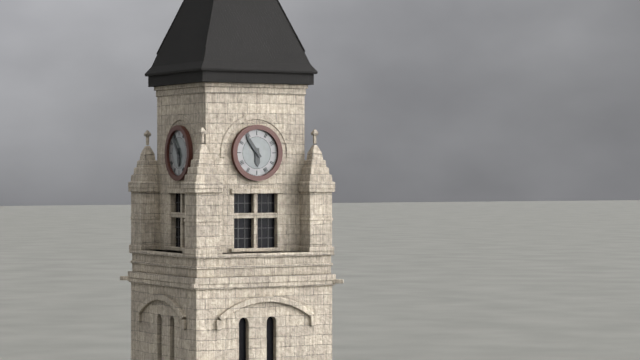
5:54
